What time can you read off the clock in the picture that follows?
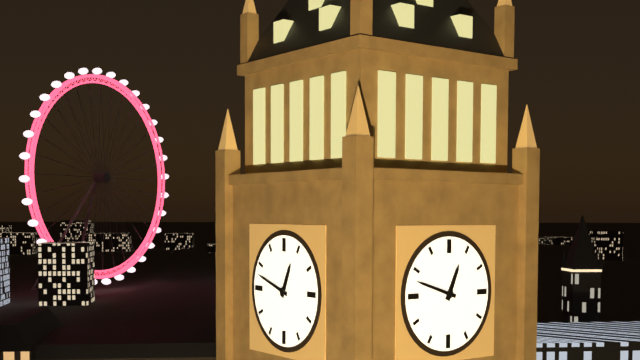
12:48
